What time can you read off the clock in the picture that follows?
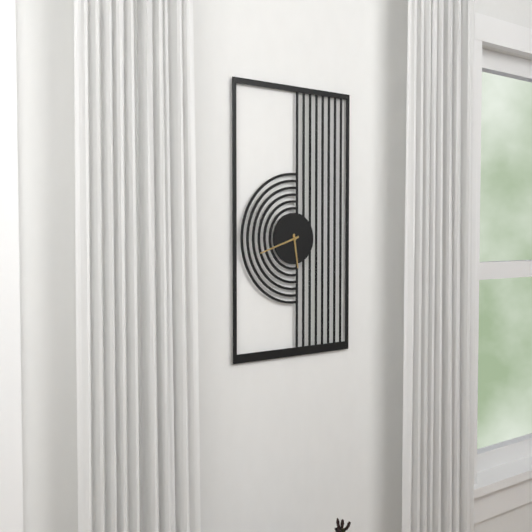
5:42
